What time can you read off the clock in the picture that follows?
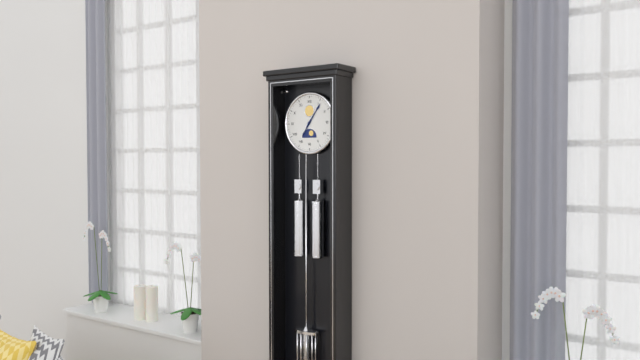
7:06
